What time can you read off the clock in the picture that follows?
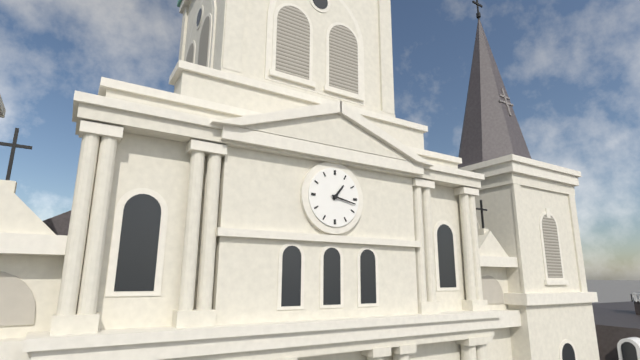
1:17
